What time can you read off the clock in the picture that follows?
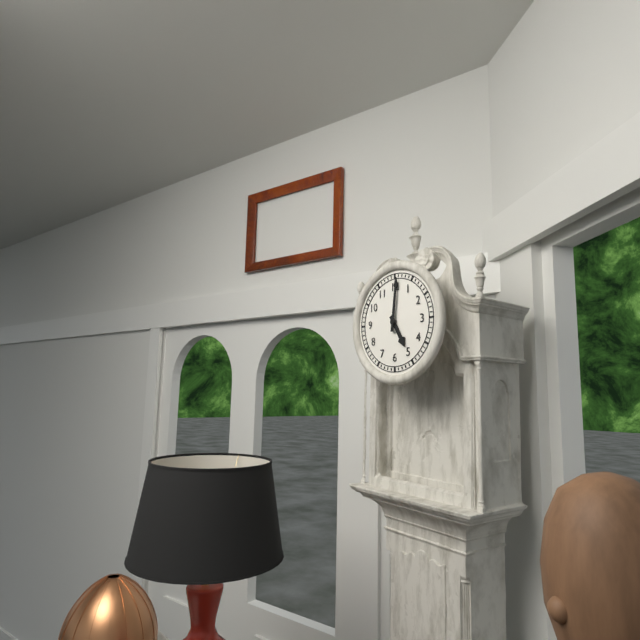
5:01
